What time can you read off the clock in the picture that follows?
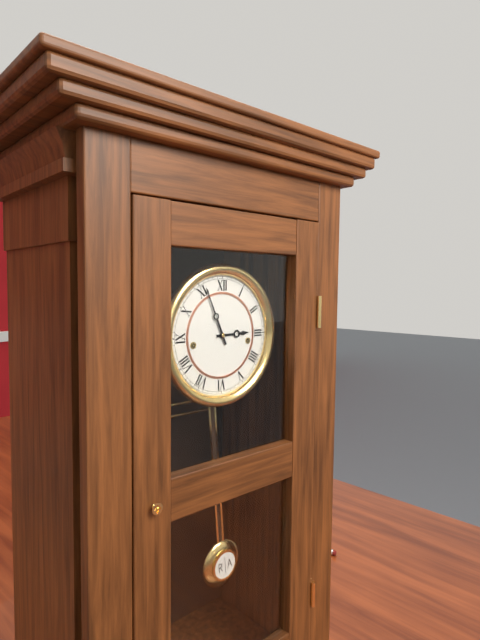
2:56
